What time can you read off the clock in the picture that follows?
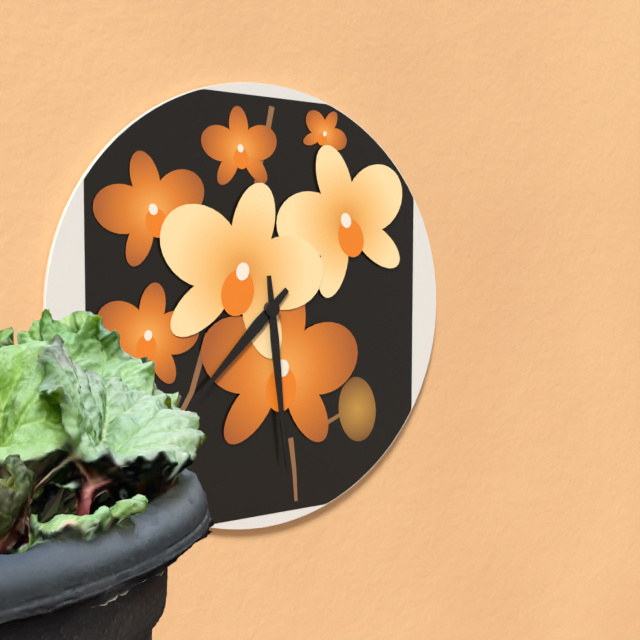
7:29
